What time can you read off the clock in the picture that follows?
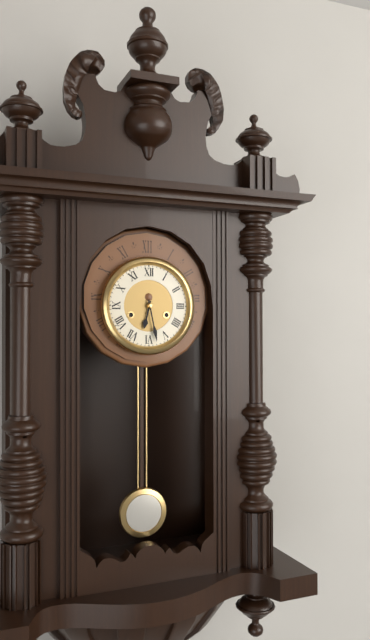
6:28
